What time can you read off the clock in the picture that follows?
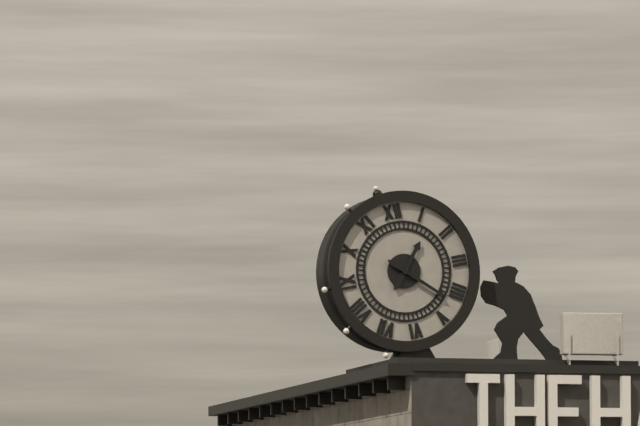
1:22
